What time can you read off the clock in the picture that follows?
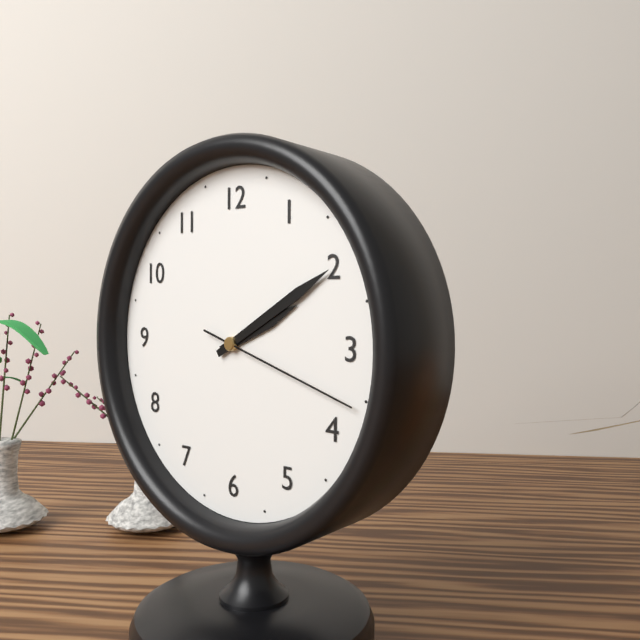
2:10:18
